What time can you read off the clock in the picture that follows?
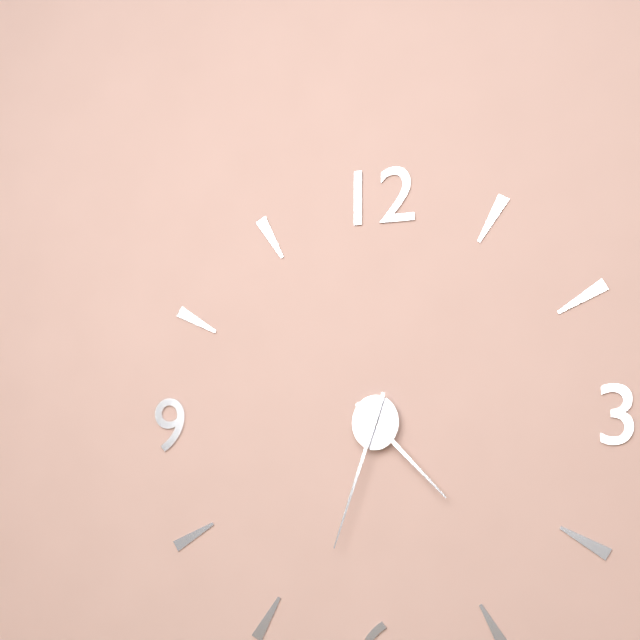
4:33
